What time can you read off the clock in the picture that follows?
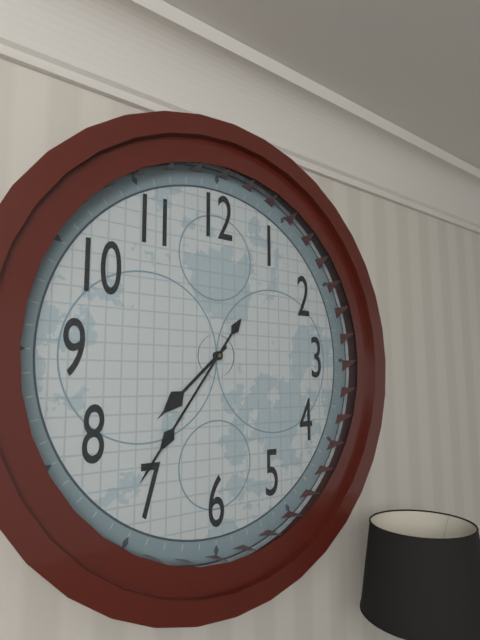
7:36
